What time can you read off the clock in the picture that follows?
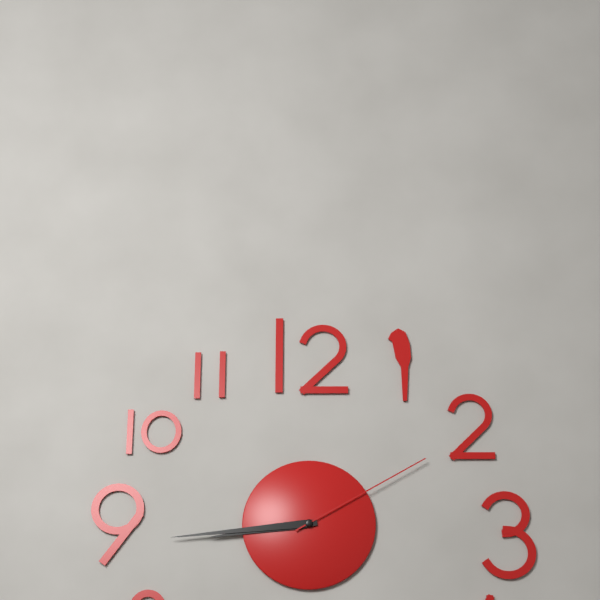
8:44:10
